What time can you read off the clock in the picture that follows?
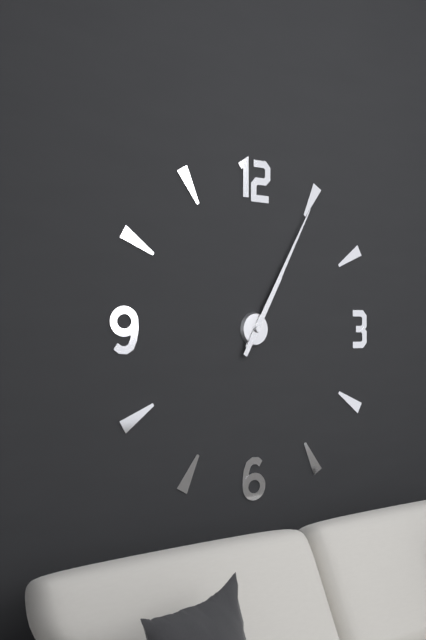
1:05
